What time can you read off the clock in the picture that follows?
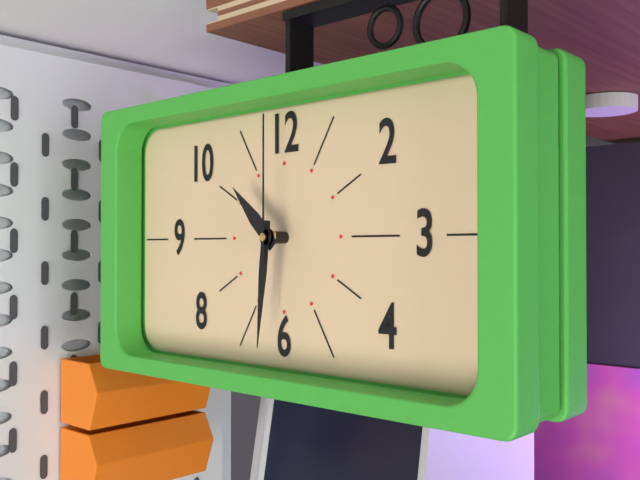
10:31:00
